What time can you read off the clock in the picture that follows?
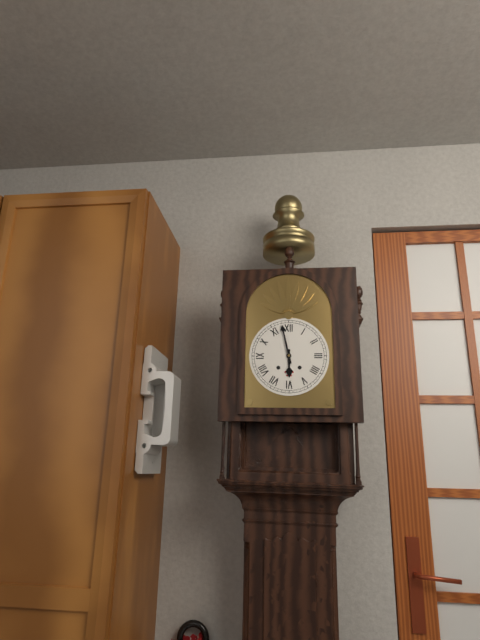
5:58
